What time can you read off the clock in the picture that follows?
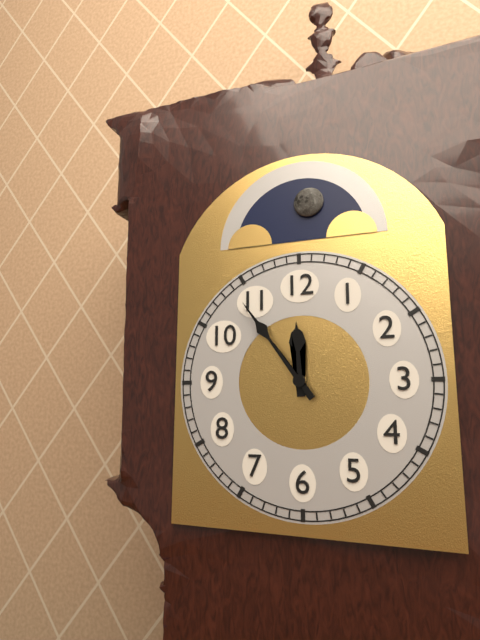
11:54
